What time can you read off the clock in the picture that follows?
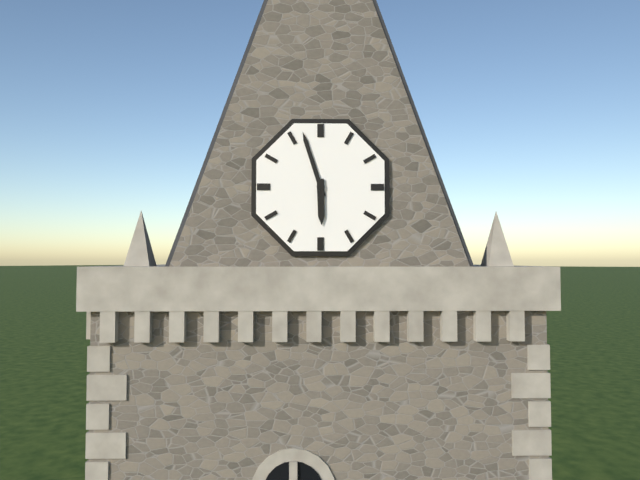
5:57
